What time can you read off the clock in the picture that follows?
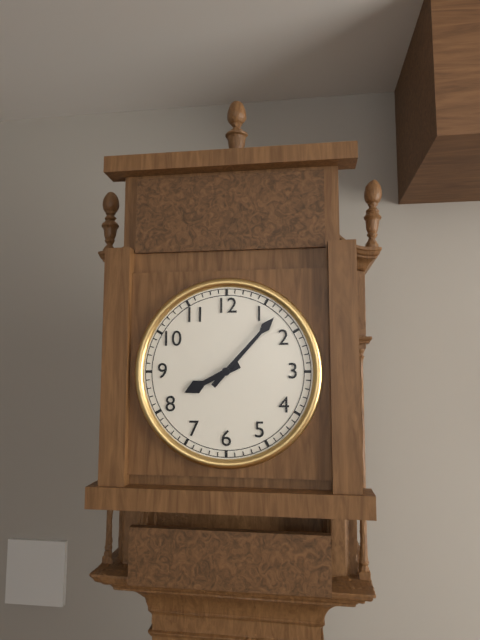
8:07
